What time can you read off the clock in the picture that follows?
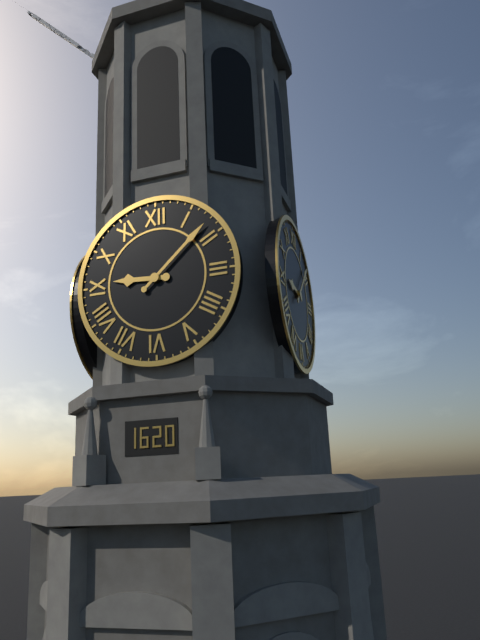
9:08
